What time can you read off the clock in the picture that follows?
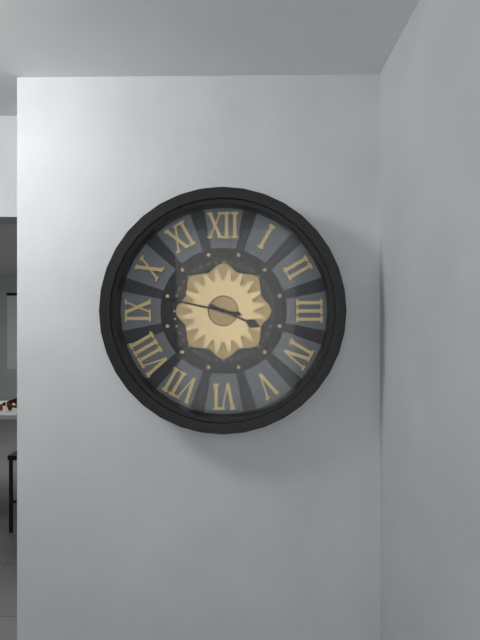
3:47
